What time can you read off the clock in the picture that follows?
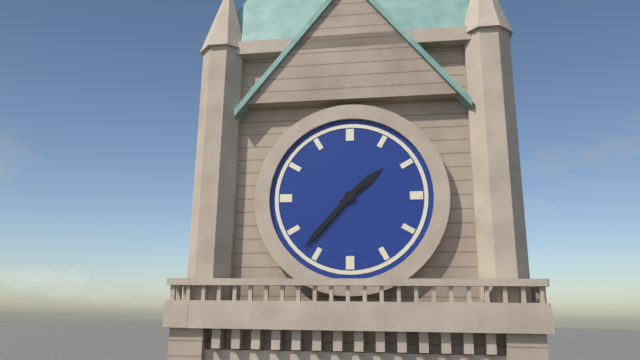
1:37
